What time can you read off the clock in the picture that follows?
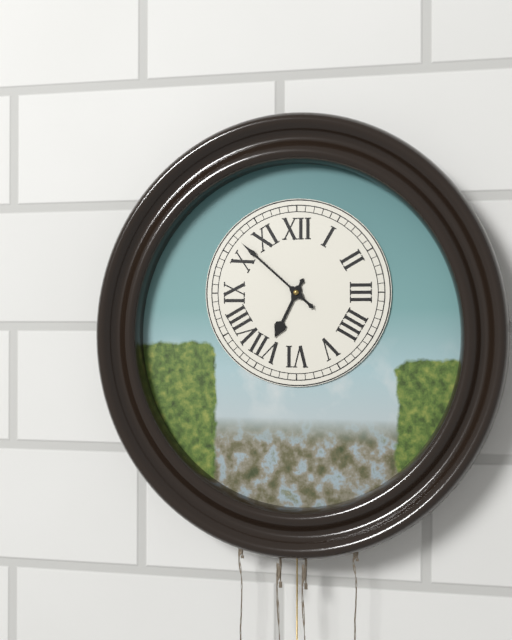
6:52
